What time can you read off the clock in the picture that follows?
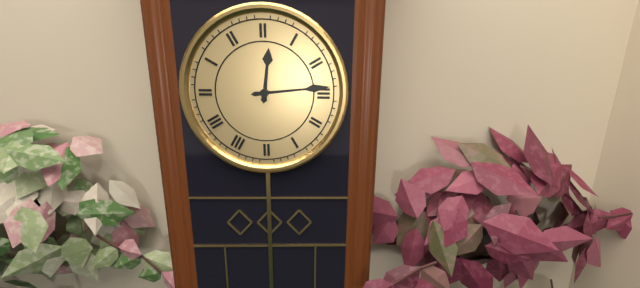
12:14
